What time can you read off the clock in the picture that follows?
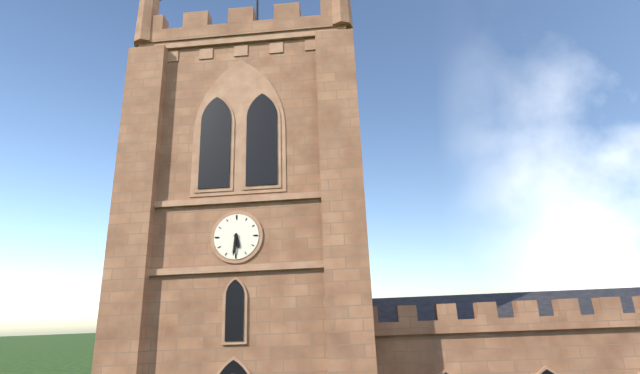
5:31
